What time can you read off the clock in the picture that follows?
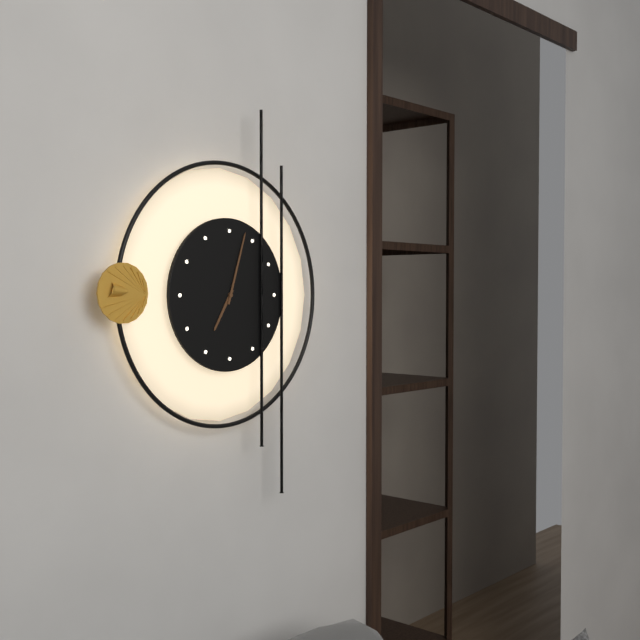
7:03
